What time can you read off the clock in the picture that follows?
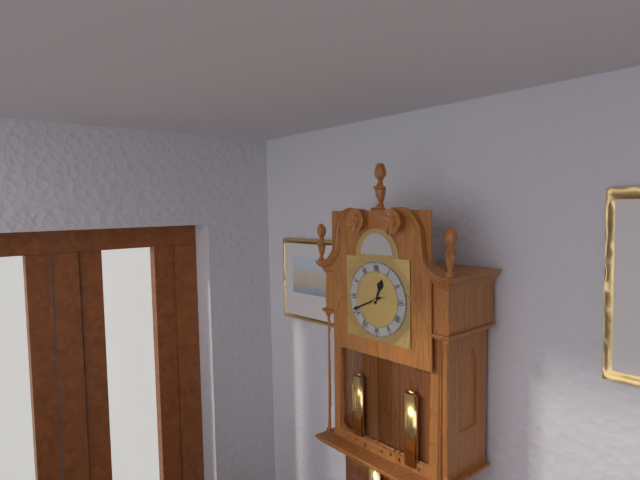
12:41
